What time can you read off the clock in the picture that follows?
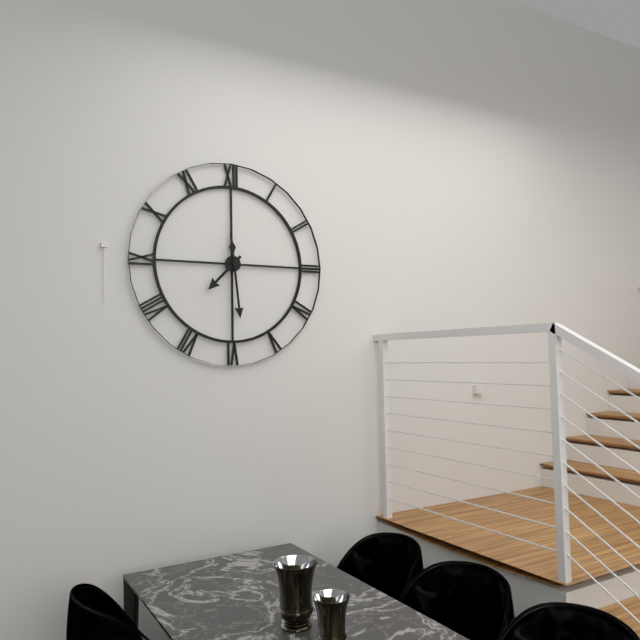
7:29
